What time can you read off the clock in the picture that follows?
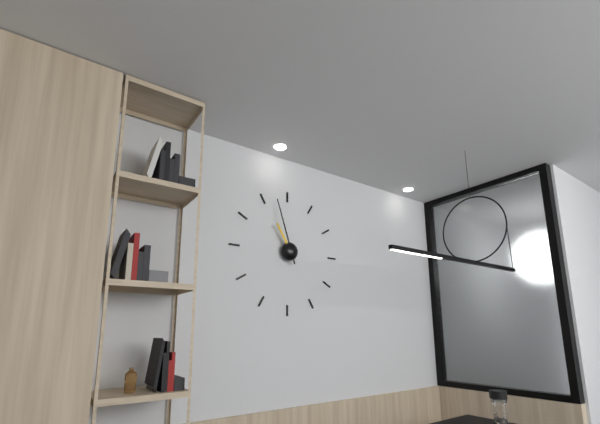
10:57
